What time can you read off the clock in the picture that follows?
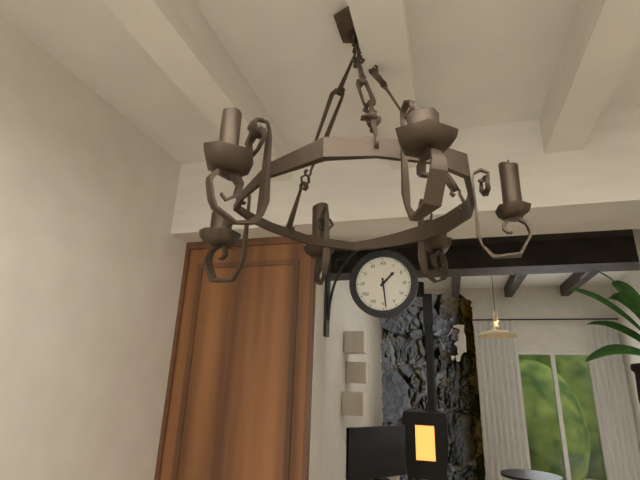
1:29
